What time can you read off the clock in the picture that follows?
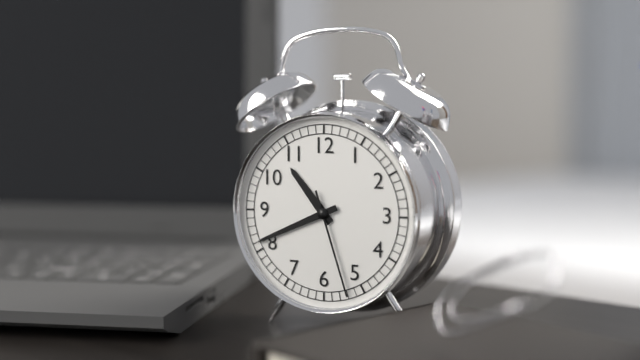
10:41:27
